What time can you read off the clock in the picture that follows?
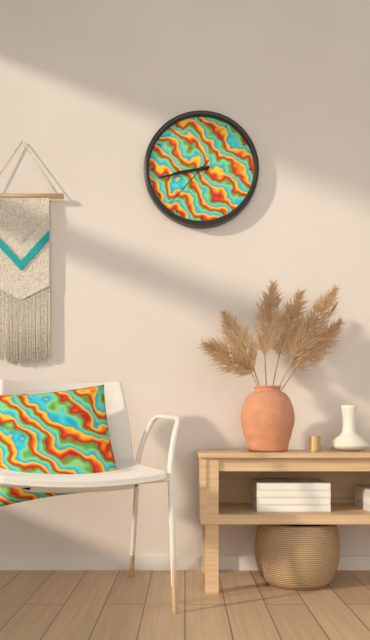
8:43:37
